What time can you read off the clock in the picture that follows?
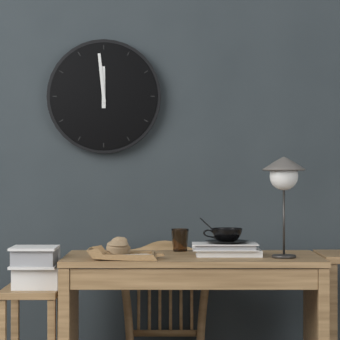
11:59
